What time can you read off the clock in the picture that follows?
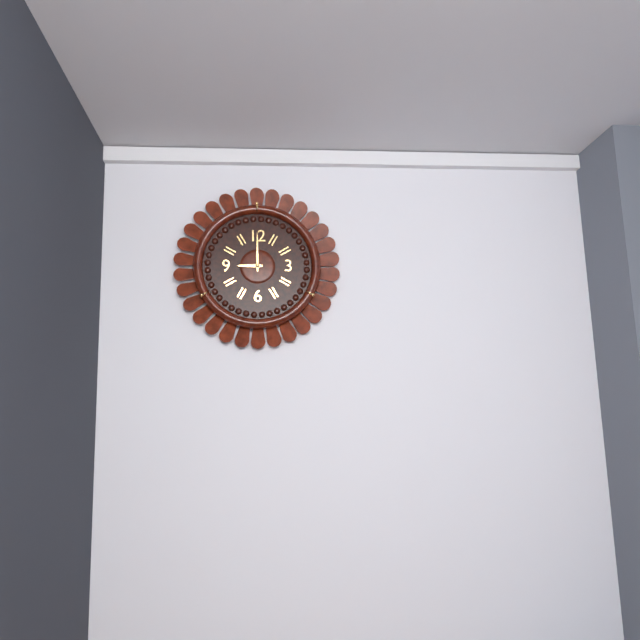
9:00
